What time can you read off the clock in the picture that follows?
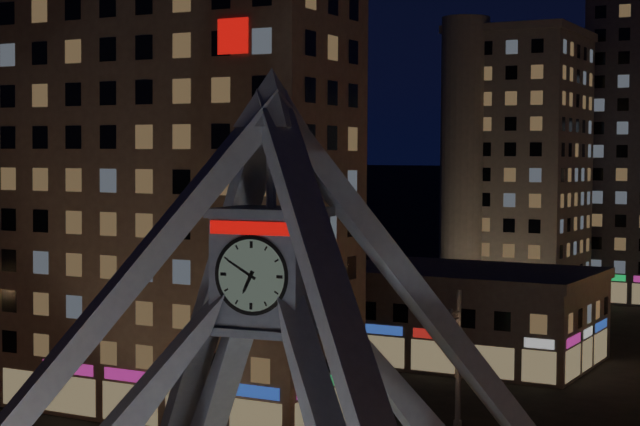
6:50
